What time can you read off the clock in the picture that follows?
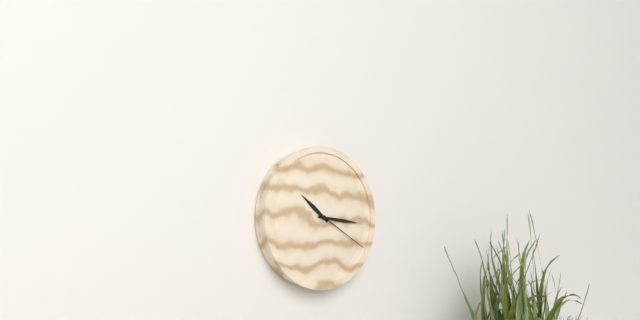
10:16:20
